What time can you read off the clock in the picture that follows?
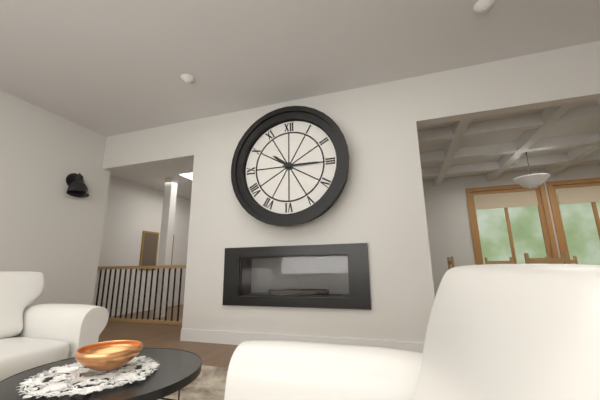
10:15
